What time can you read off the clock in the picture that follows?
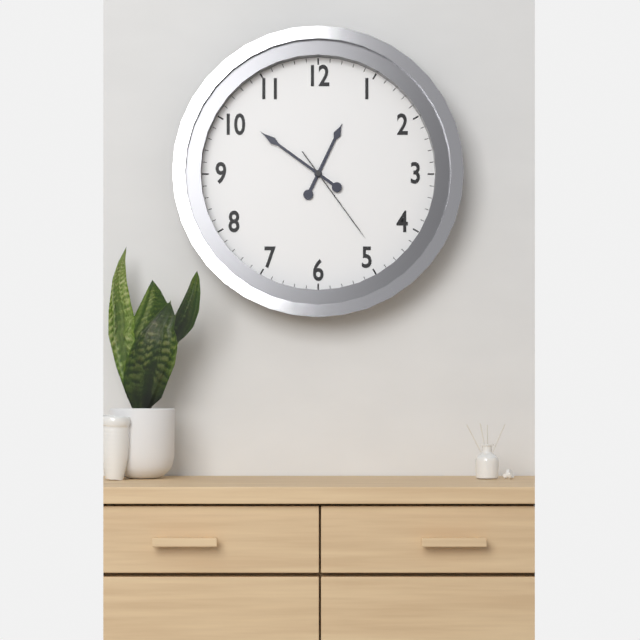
12:51:24
